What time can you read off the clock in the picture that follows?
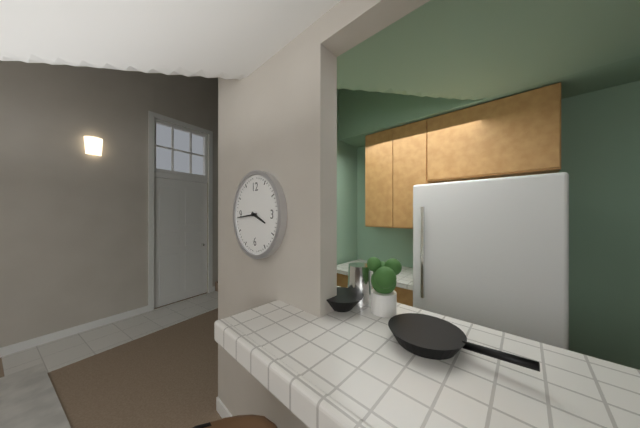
3:44
